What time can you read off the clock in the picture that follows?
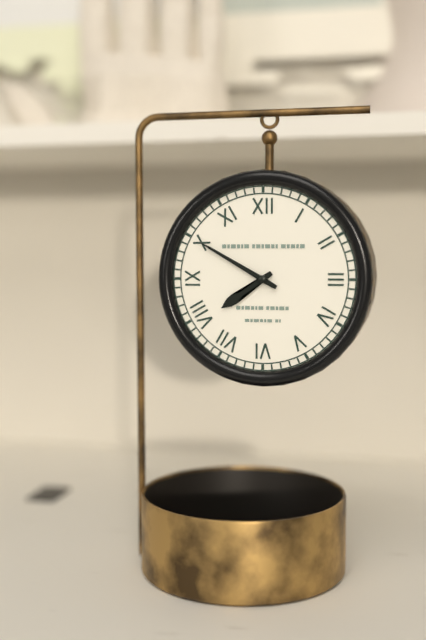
7:50
